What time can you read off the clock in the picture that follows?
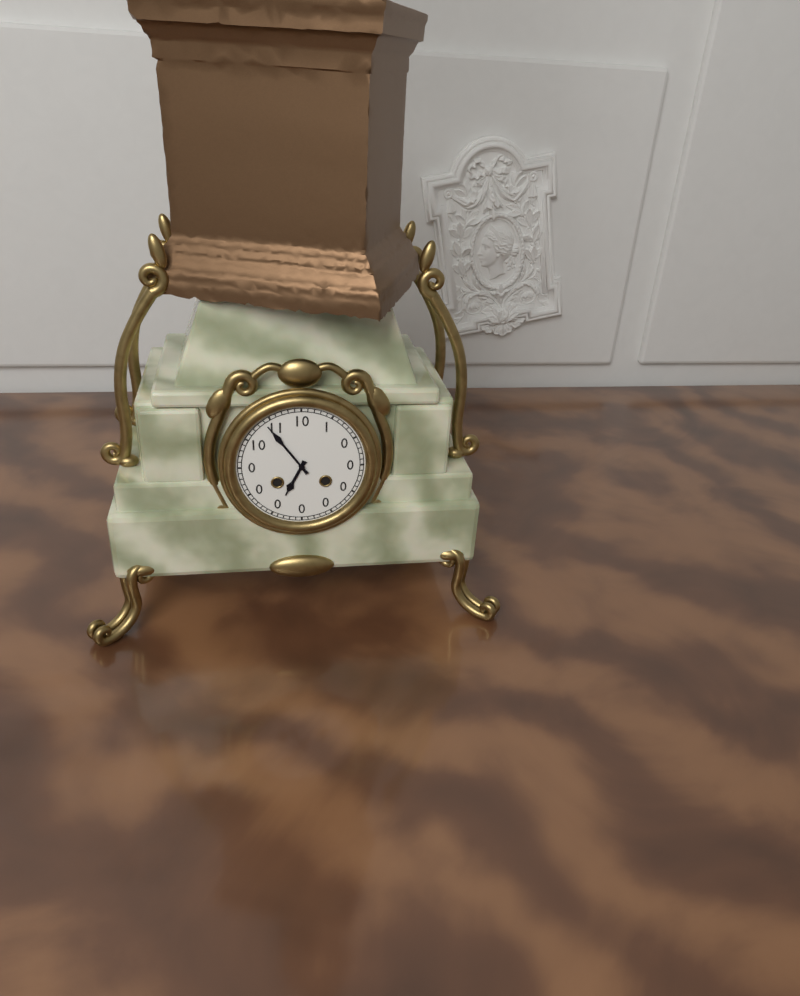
6:54
